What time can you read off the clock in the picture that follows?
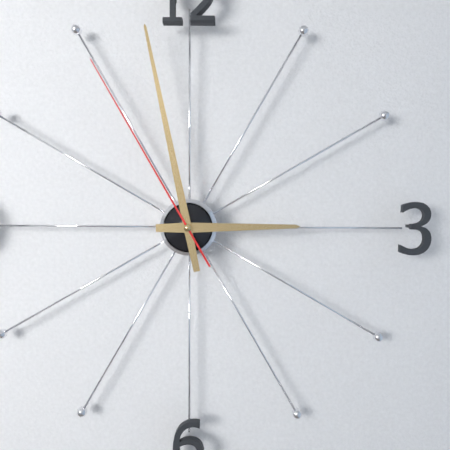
2:58:55
